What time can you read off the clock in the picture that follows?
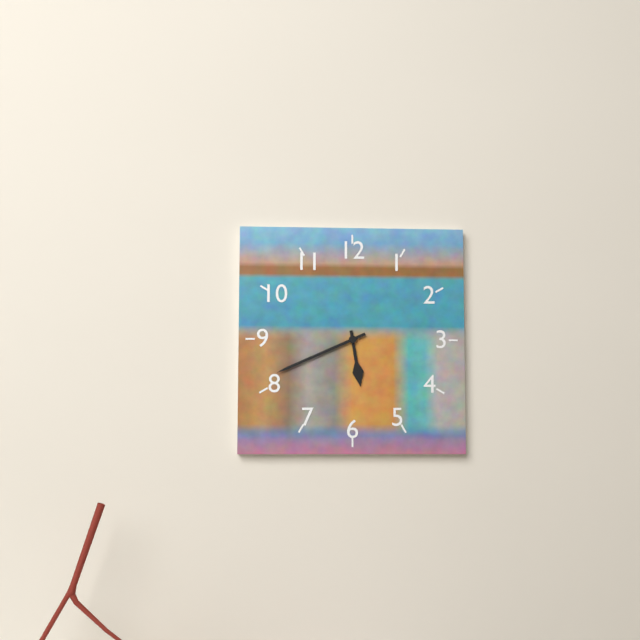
5:41
